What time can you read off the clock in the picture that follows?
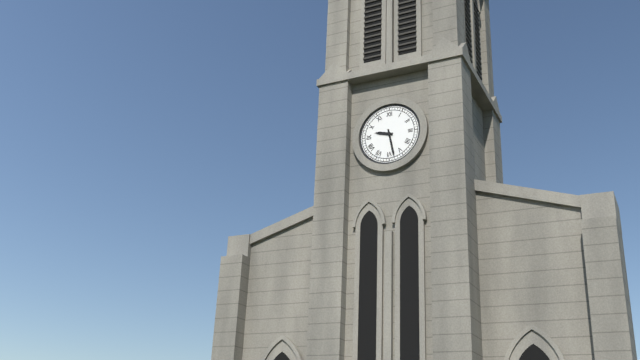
9:28
